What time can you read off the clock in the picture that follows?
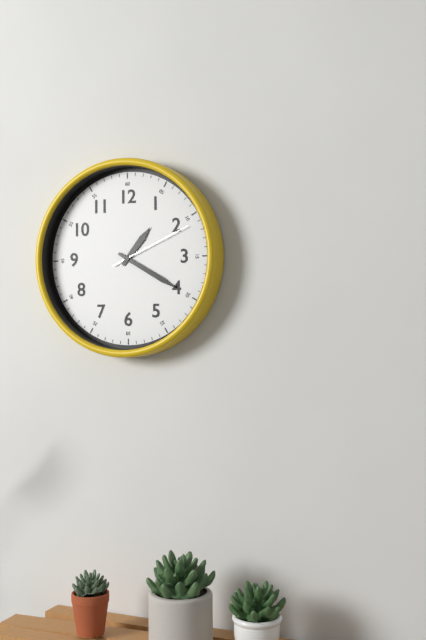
1:20:11
